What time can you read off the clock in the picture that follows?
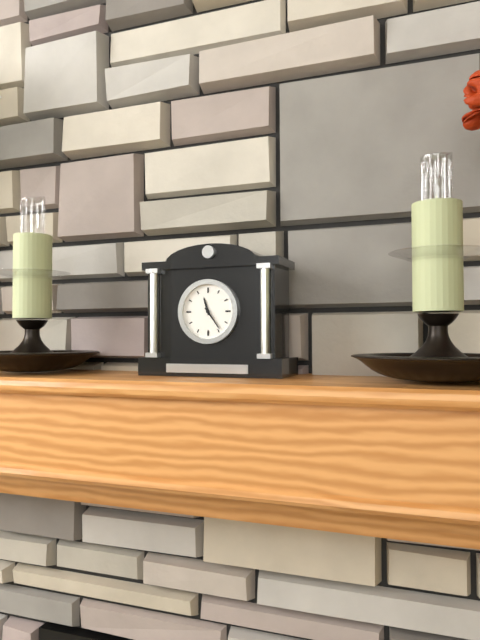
11:24
